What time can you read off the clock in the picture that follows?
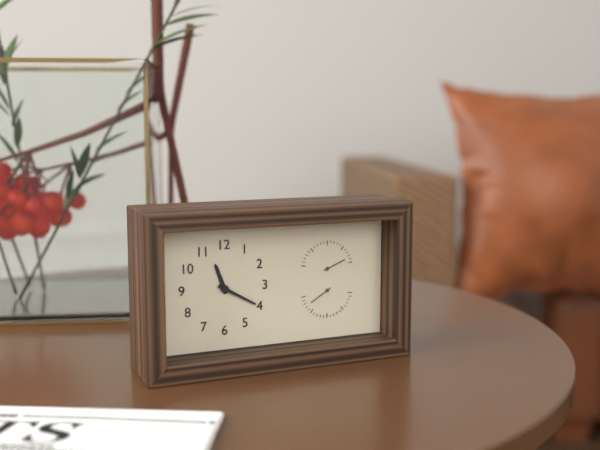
11:20
